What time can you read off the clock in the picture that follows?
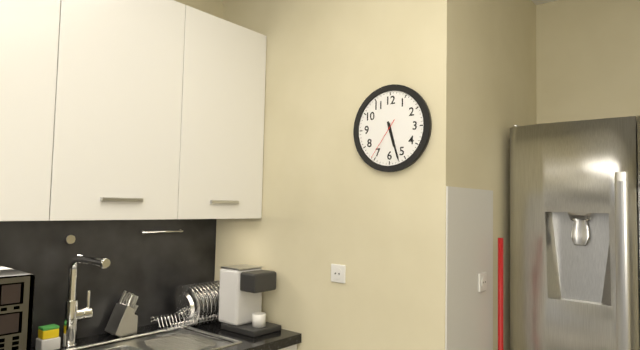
5:27
